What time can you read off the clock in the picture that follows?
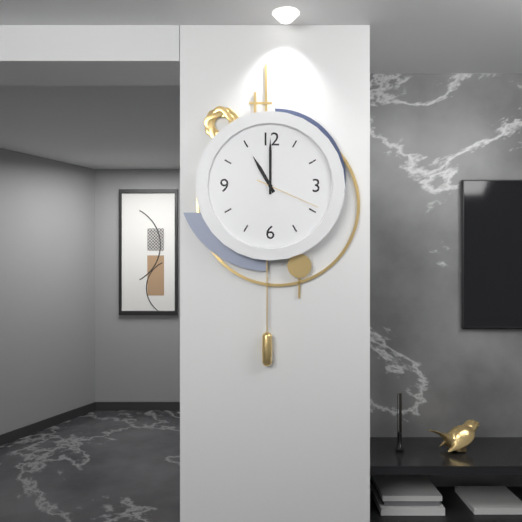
11:00:19
